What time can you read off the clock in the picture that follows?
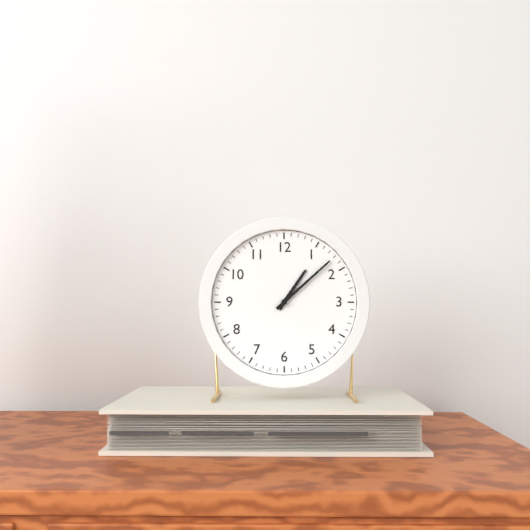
1:08
